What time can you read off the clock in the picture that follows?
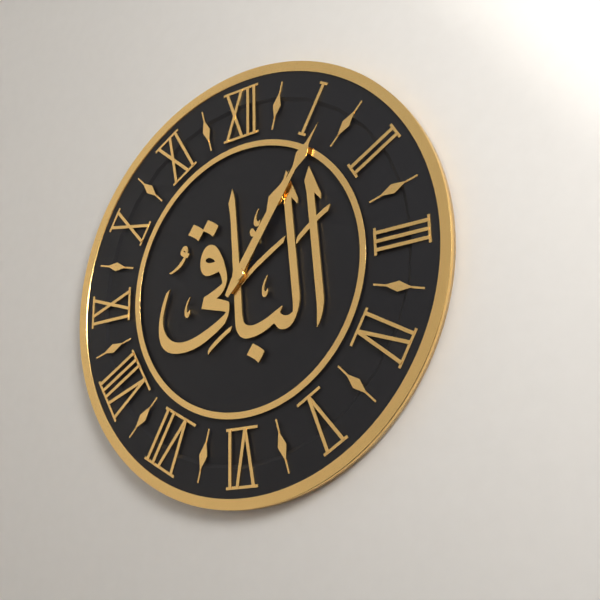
1:06
